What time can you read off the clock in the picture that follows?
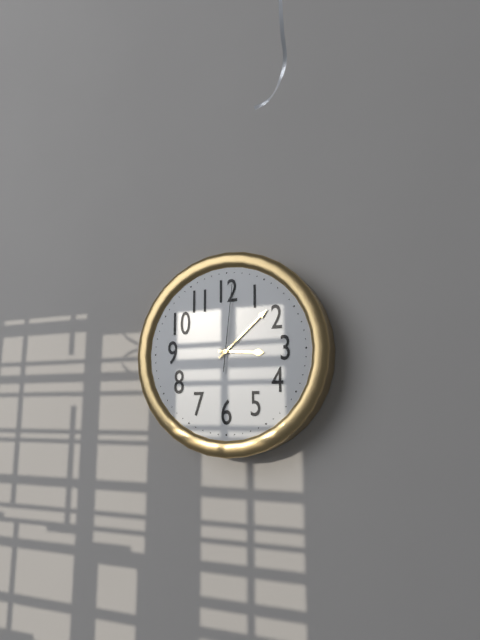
3:08:01
